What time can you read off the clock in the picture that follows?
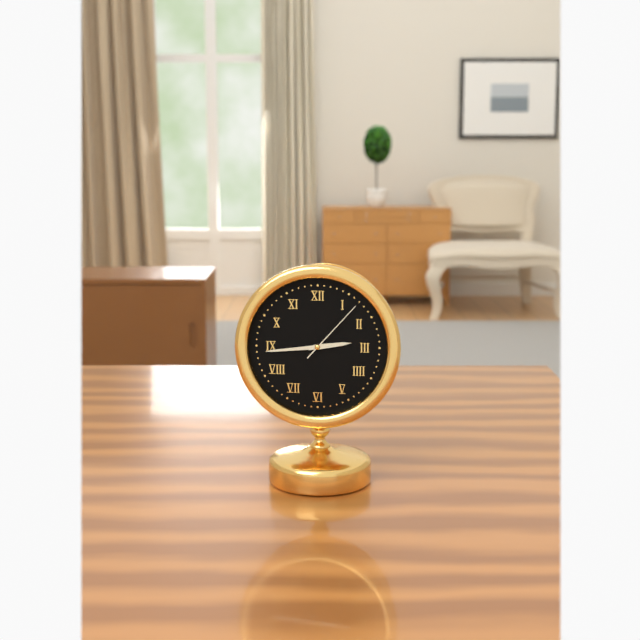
2:44:07
